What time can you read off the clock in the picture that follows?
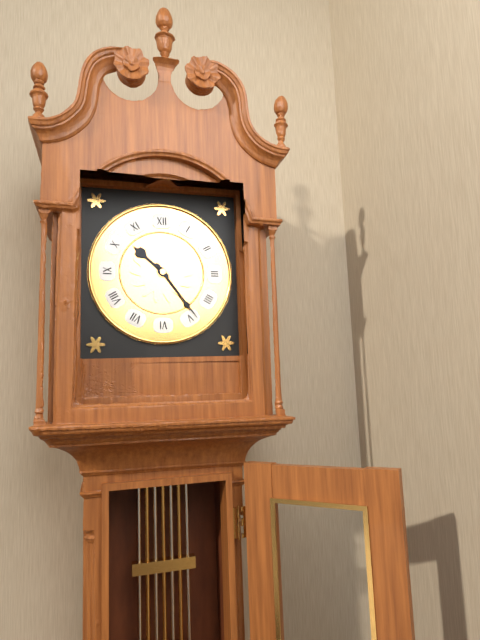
10:24
